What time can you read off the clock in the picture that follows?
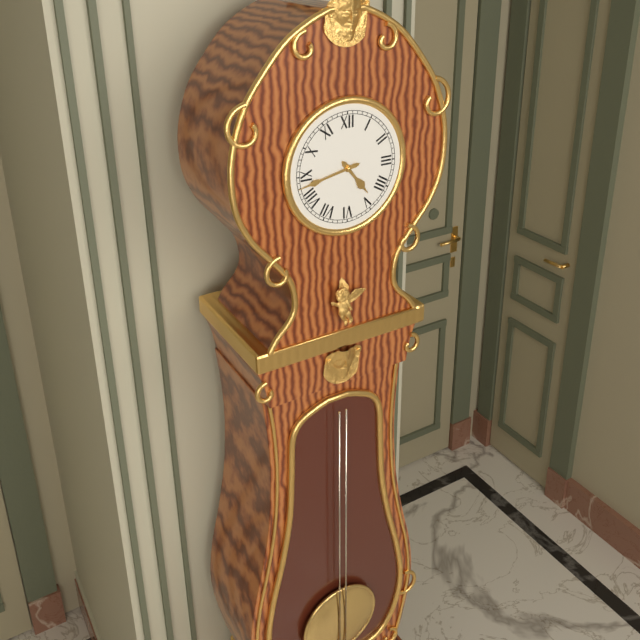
4:43
